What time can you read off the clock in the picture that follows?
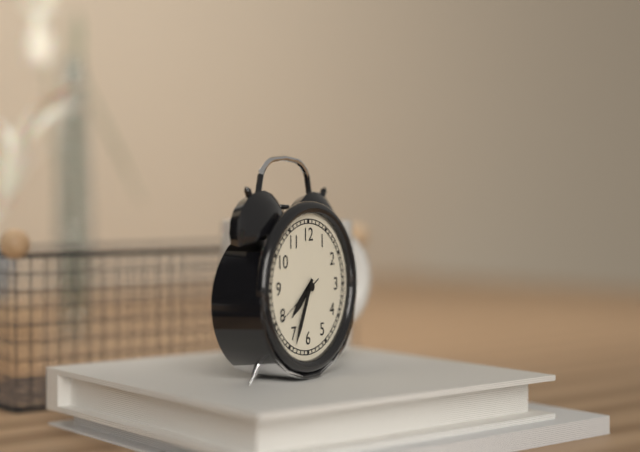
7:34:40
